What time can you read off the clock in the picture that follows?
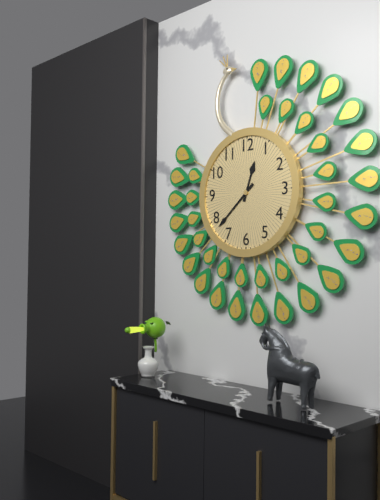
12:38
